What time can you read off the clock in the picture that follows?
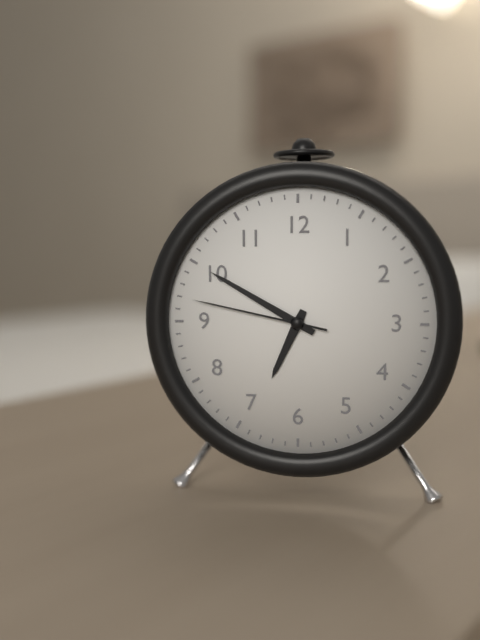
6:50:47
